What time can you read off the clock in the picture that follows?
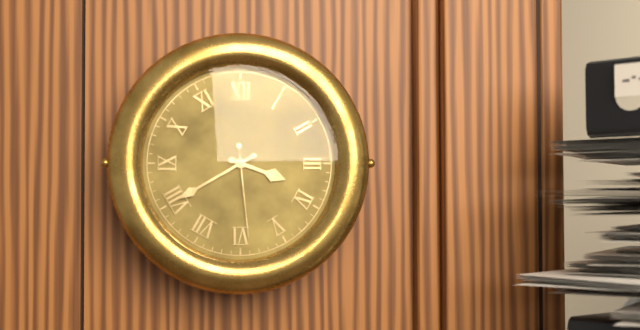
3:40:29
